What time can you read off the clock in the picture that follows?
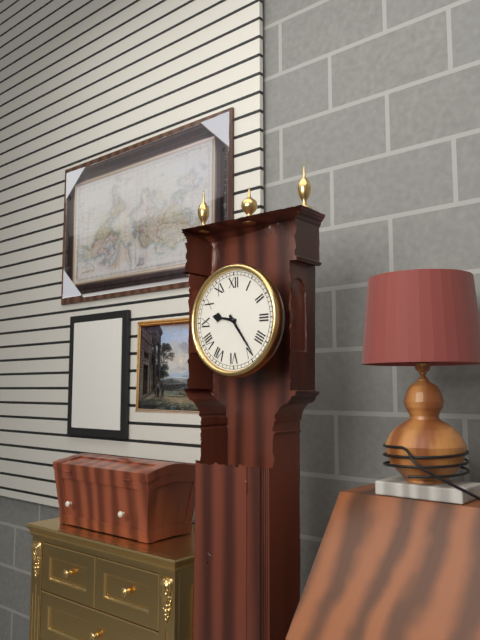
9:24
